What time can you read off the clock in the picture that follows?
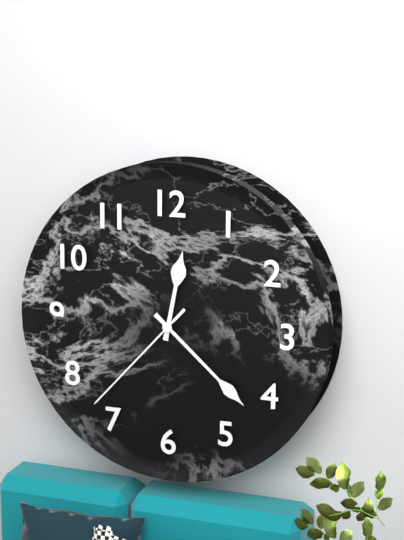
12:22:37
